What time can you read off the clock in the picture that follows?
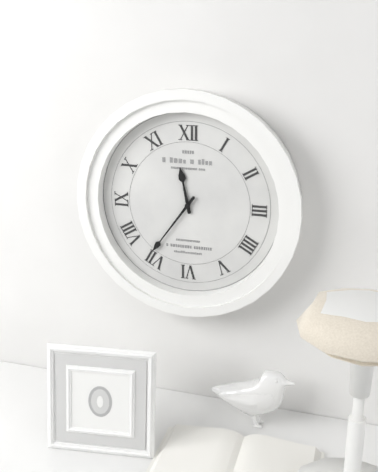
11:36
